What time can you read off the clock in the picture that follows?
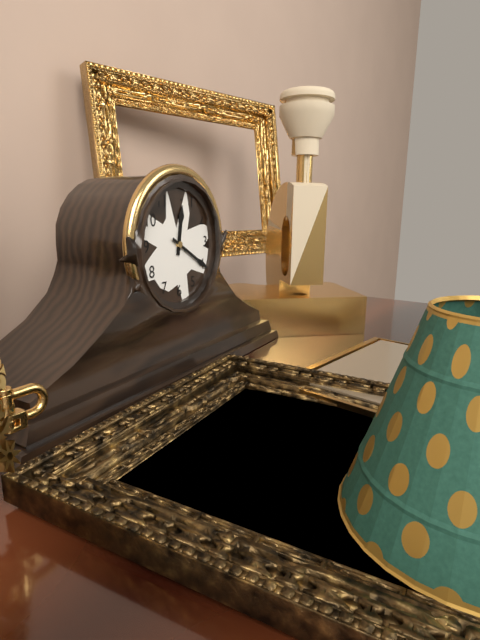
12:20
